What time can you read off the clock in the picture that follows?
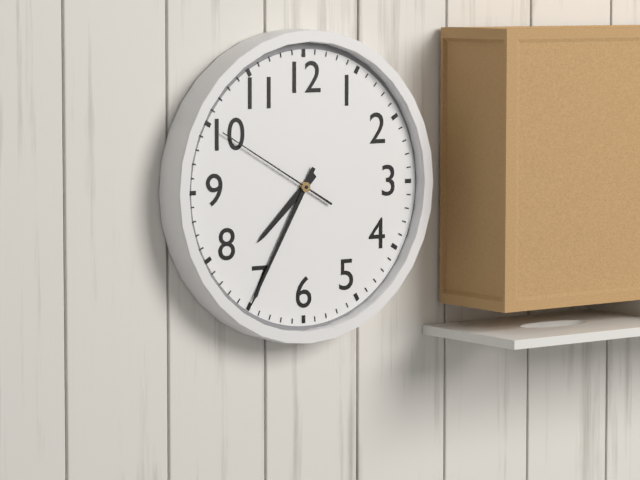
7:35:50
